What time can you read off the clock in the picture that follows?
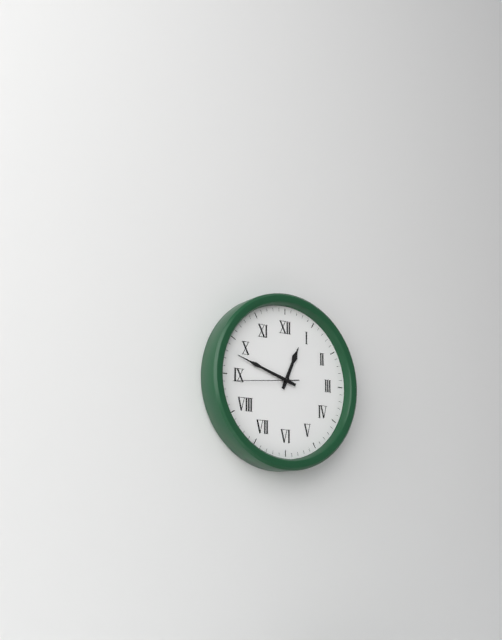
12:48:44
